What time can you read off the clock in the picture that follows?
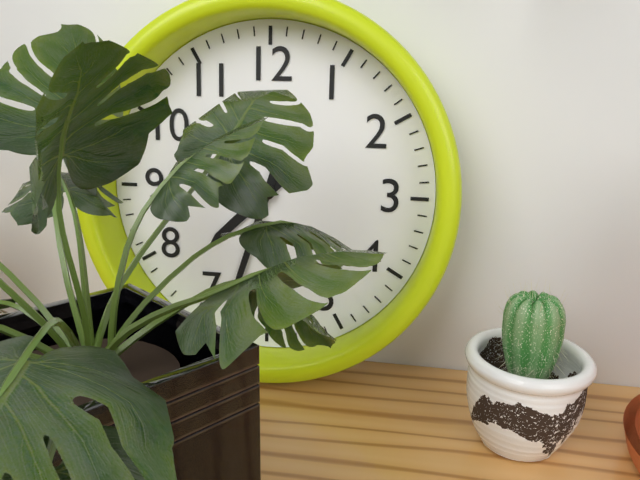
7:33
